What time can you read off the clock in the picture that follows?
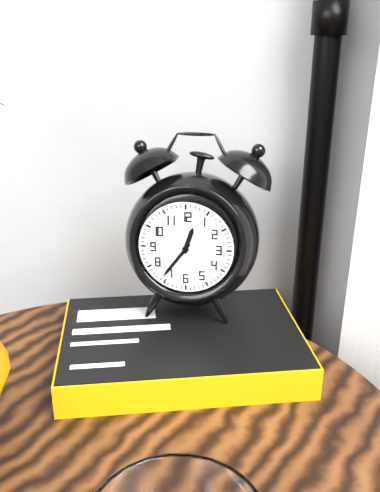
12:36
